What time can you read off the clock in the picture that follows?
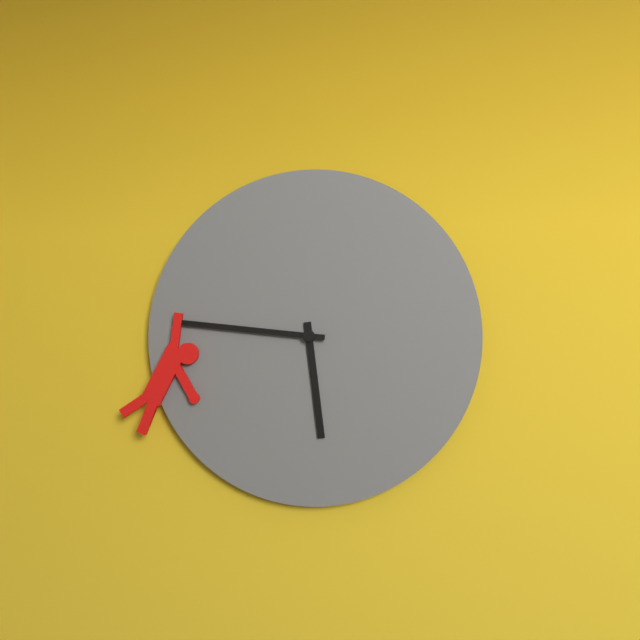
5:46
